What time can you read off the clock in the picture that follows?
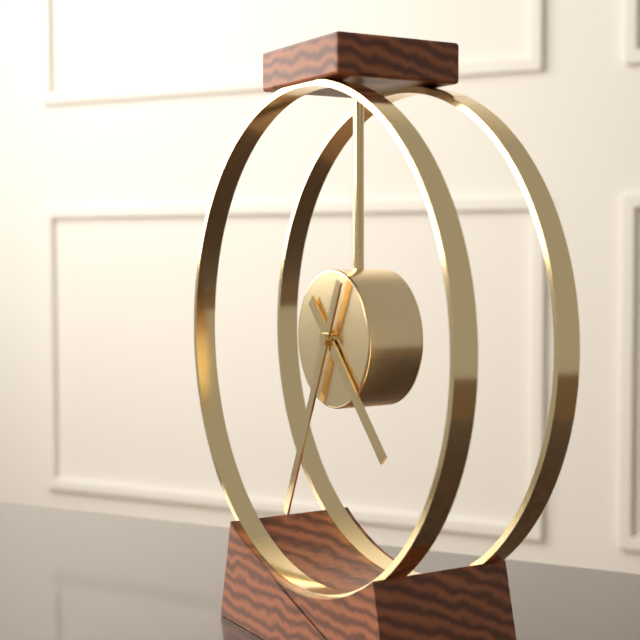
4:34
